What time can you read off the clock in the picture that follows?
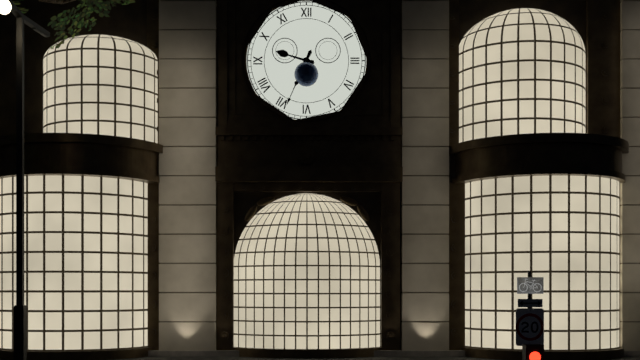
9:34
